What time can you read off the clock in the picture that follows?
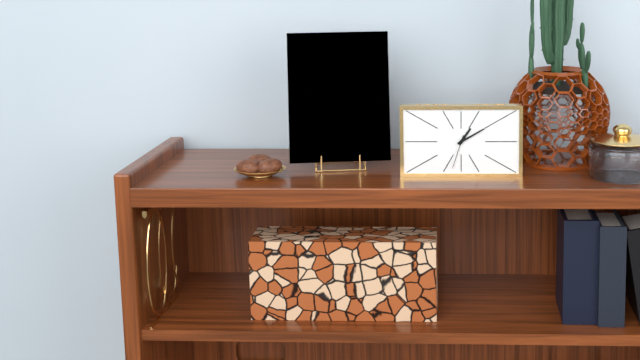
1:10
